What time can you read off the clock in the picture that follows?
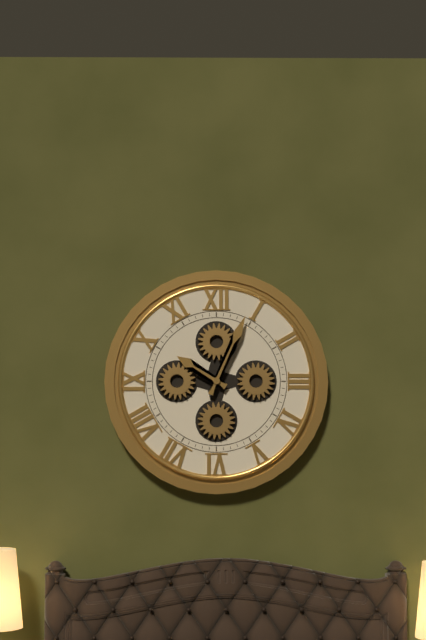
10:04
